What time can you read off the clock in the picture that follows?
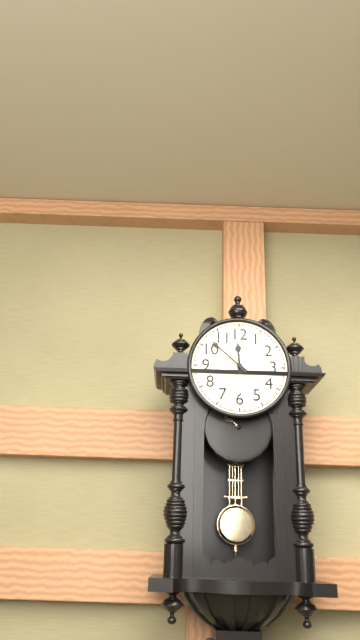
11:52
